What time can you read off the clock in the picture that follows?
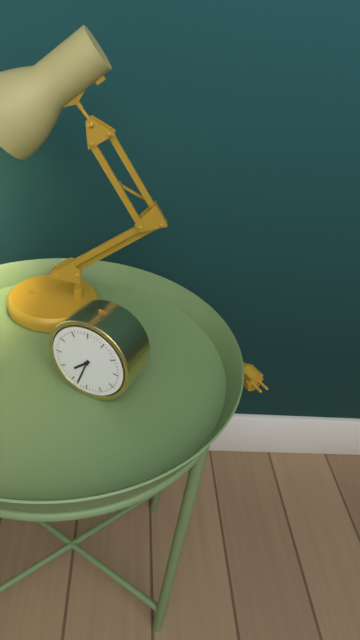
7:33
